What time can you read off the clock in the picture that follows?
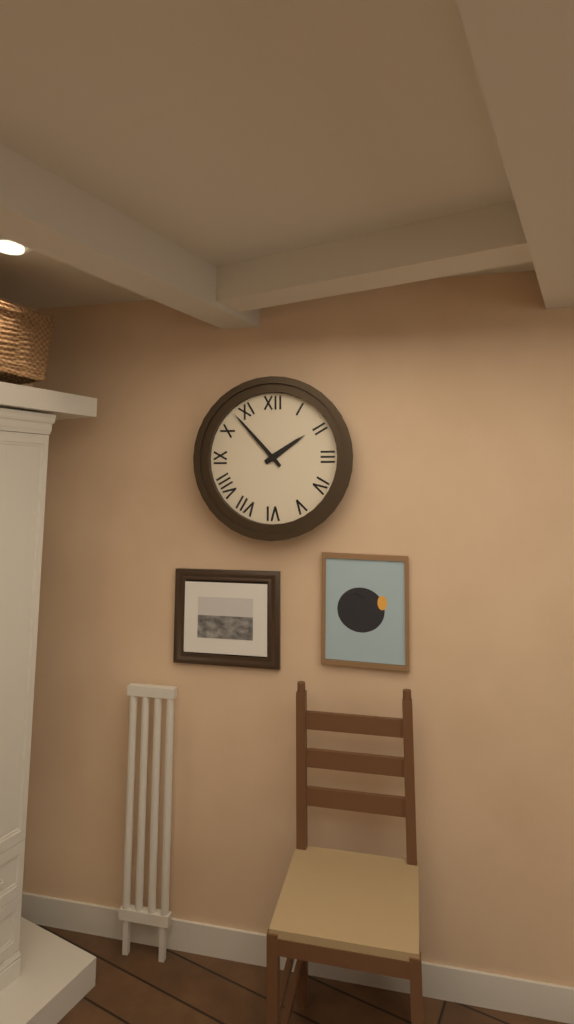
1:53
